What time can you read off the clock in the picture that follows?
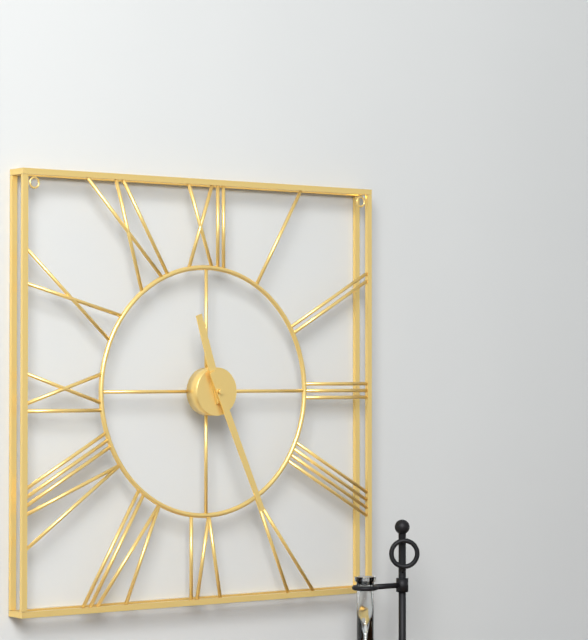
11:26
